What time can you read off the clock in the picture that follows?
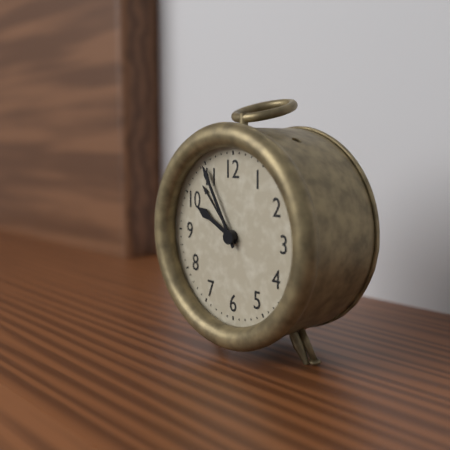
9:55
